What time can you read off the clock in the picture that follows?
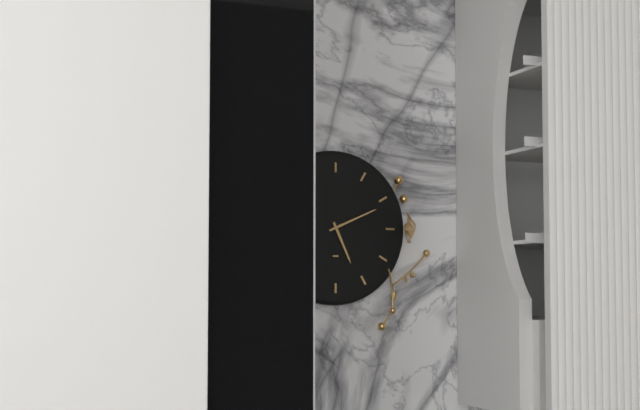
5:11
